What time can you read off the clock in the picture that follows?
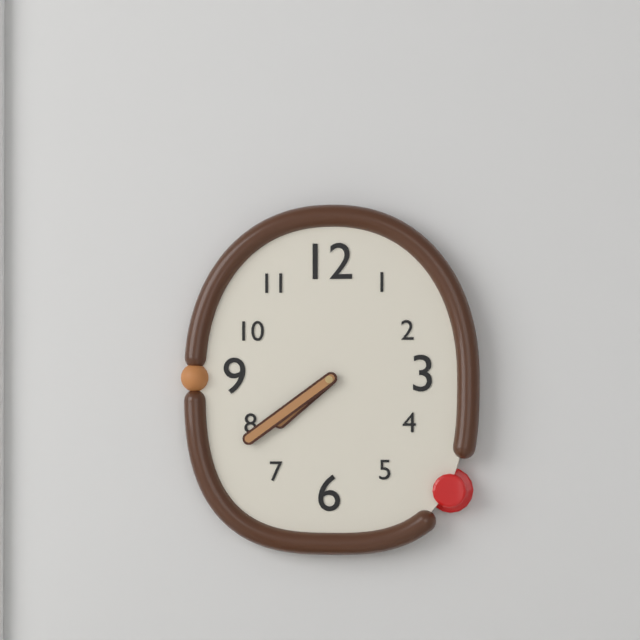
7:39
